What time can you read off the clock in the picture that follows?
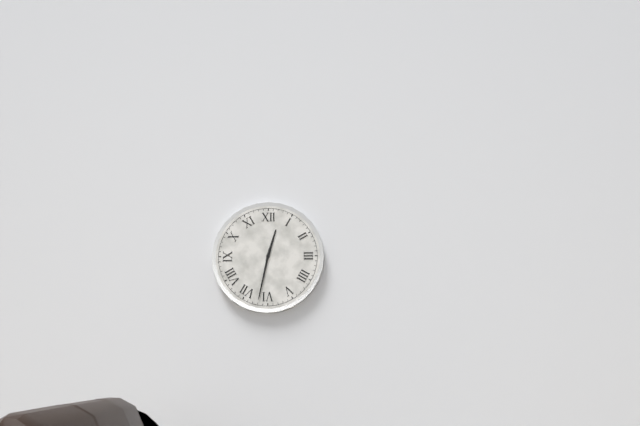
12:32
